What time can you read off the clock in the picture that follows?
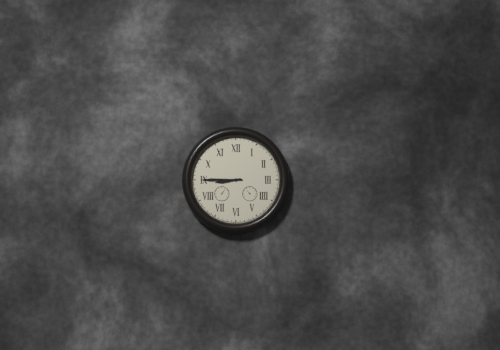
8:45
